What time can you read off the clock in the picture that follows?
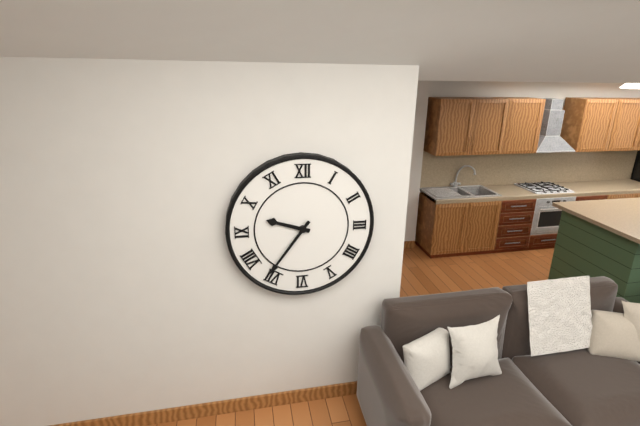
9:36
